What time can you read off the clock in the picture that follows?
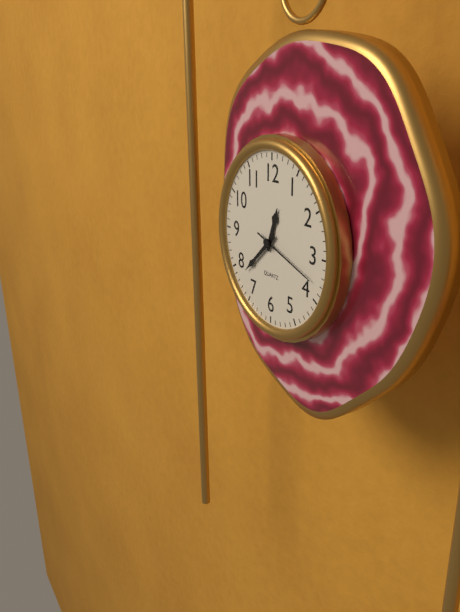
12:38:18
